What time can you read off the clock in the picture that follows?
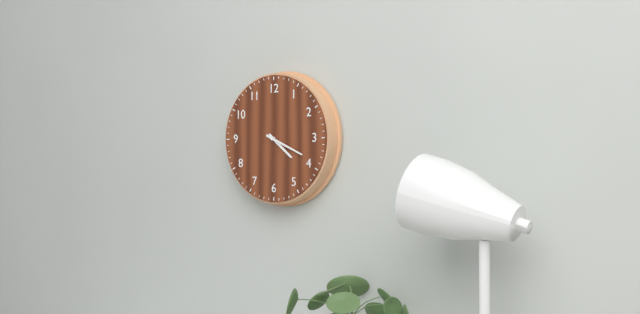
4:19
